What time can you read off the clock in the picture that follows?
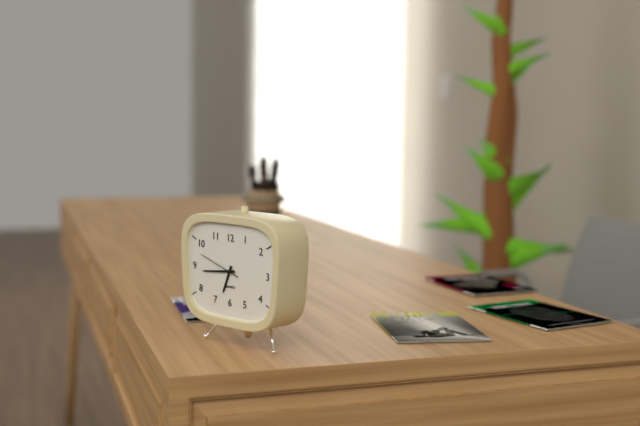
6:44
